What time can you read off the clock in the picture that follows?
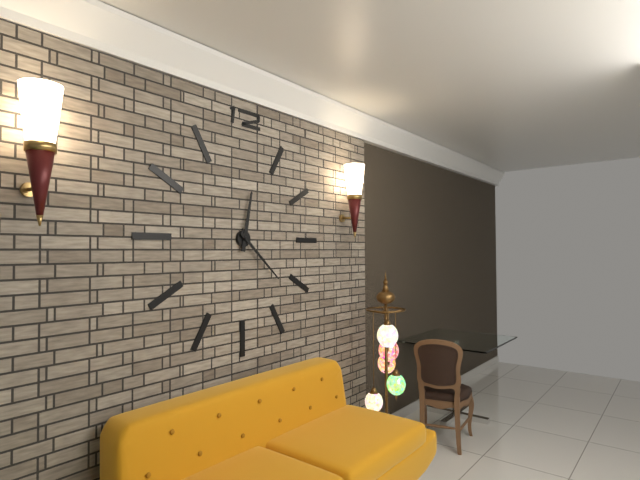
12:22
